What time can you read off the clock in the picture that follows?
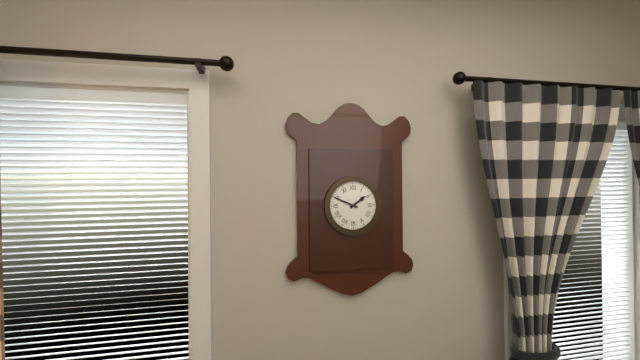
1:49
